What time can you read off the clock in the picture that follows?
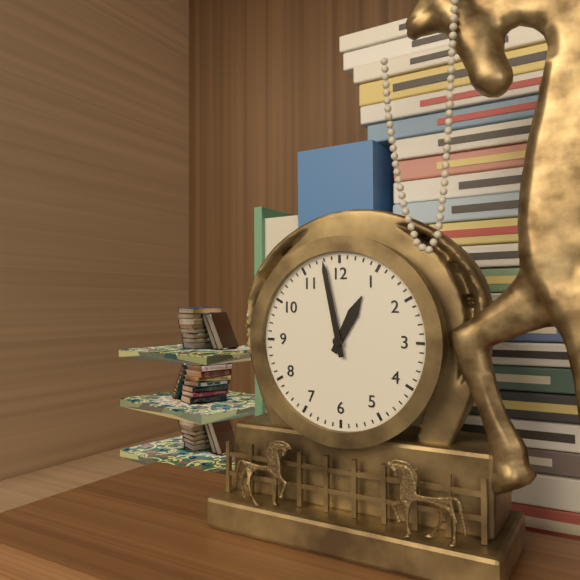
12:58
